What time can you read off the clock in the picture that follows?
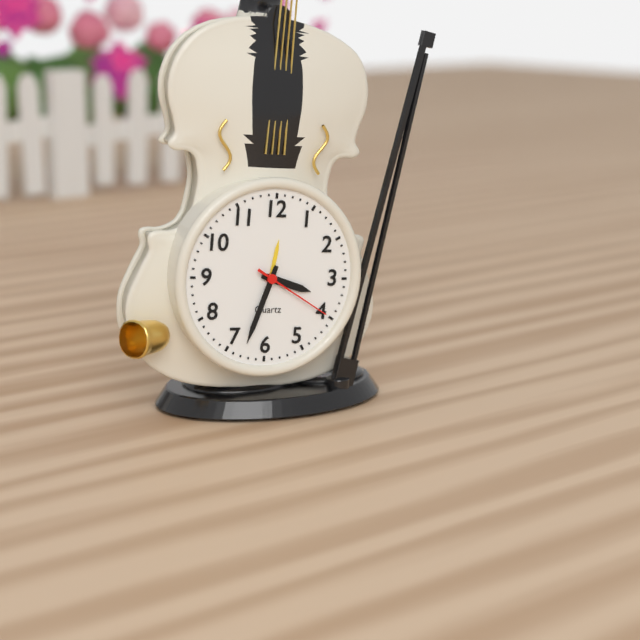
3:33:20
